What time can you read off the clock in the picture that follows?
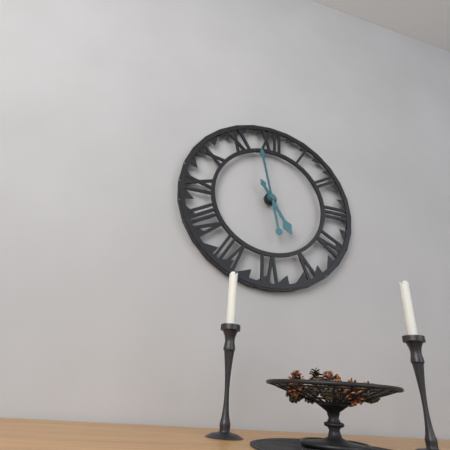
4:58
